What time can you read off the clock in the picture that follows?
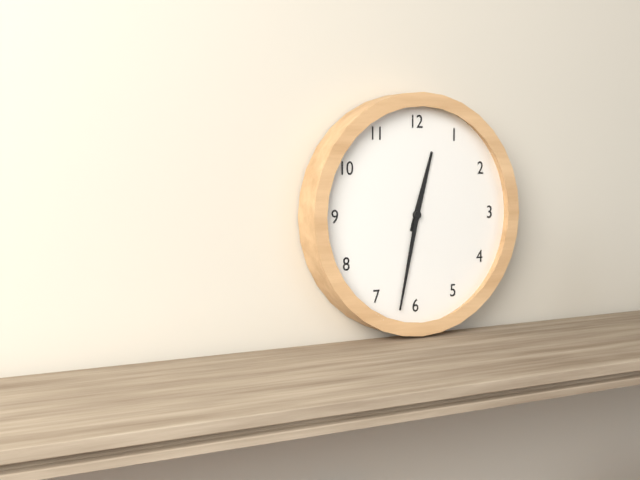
12:32
